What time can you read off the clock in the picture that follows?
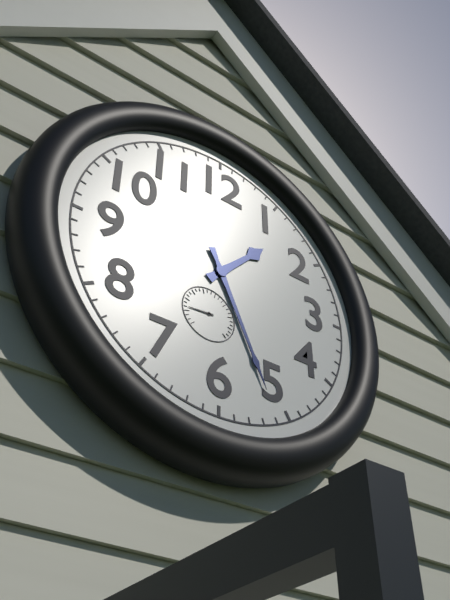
1:26
